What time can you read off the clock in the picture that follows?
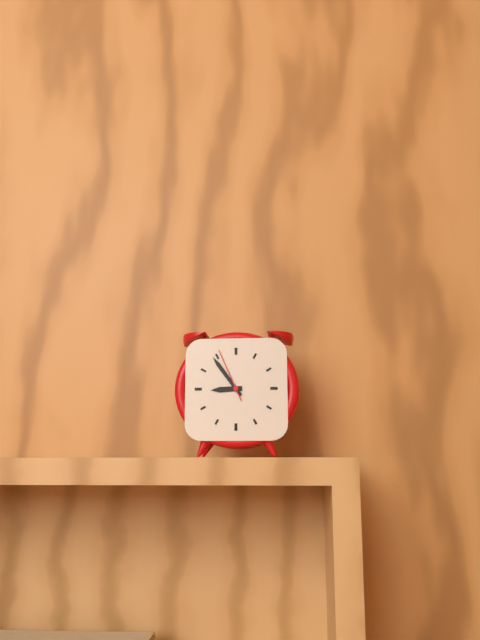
8:54:56
